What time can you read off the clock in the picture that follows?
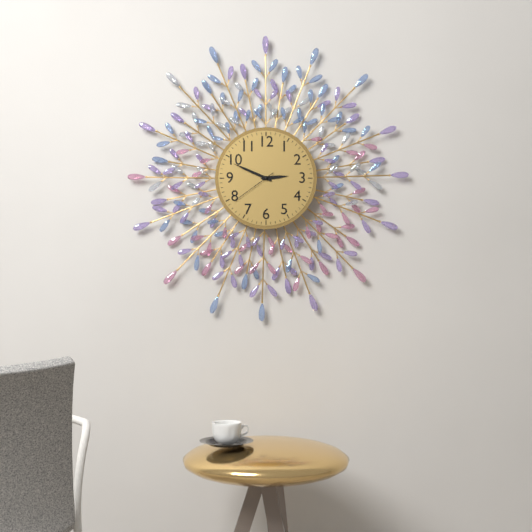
2:49
